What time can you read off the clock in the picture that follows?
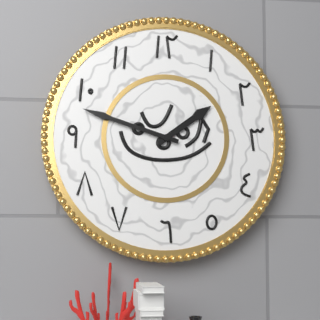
1:48
